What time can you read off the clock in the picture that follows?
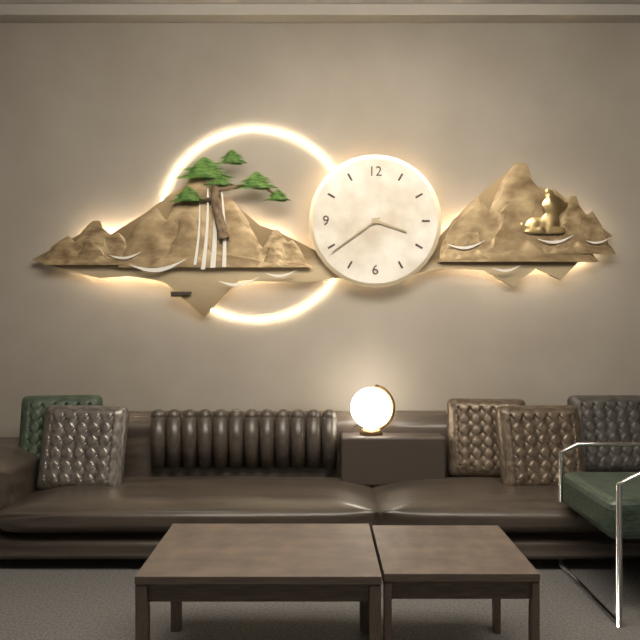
3:39
